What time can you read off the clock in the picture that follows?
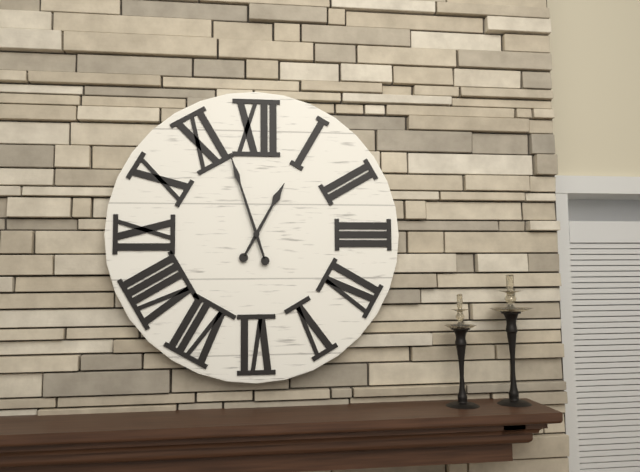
12:57
